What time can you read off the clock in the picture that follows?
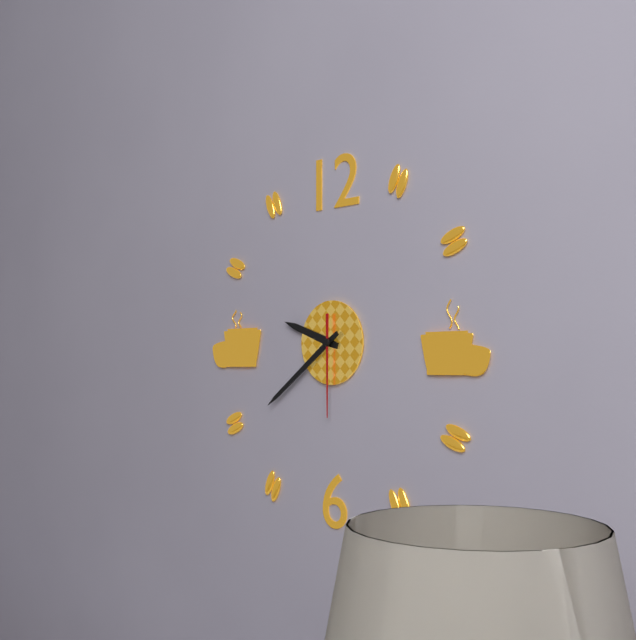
9:39:30
